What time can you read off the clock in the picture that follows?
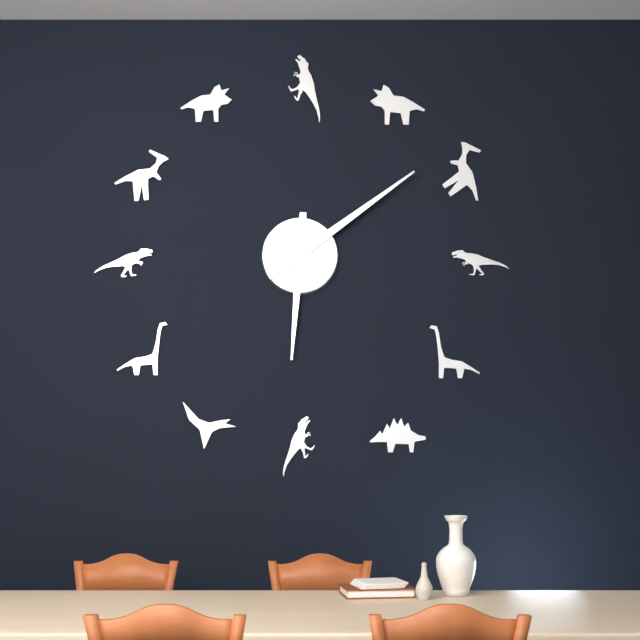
6:09
